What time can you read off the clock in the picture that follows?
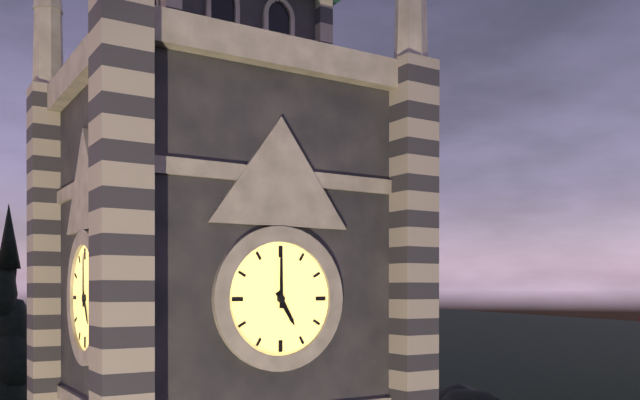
5:00
